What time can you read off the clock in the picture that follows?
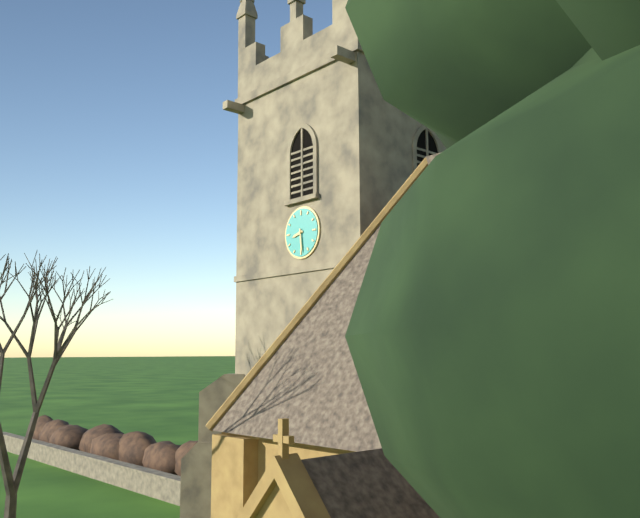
8:29
